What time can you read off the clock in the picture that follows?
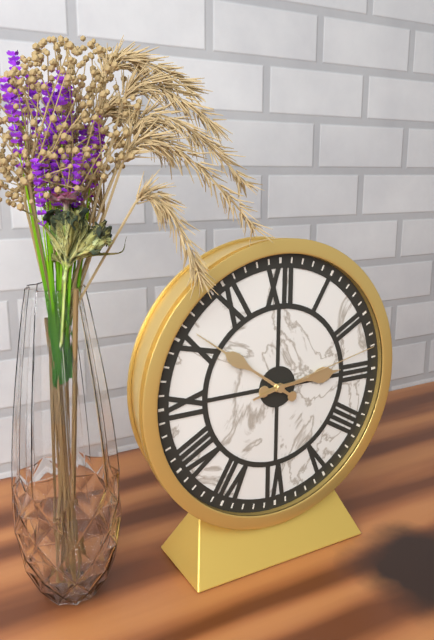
2:51:13
